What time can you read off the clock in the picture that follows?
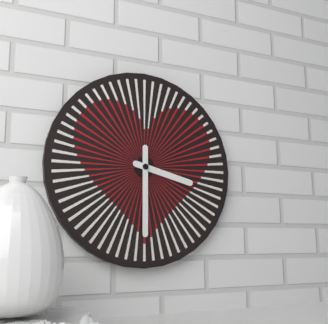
3:30
